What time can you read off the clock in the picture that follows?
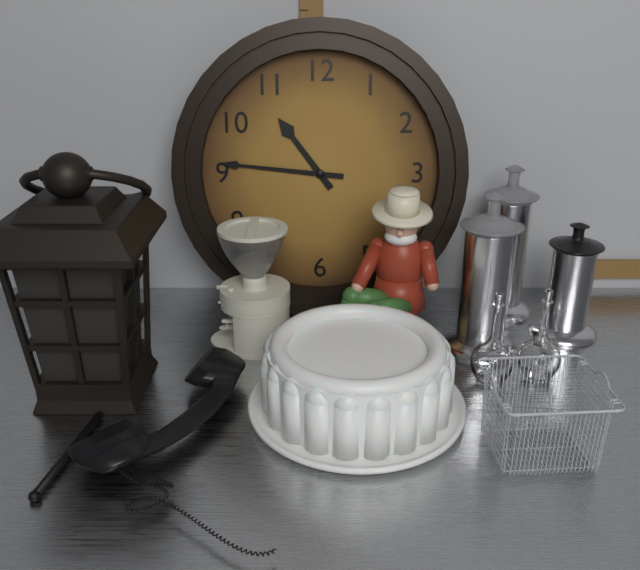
10:46
